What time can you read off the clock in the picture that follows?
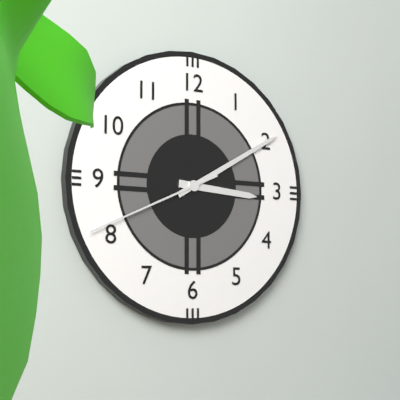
3:10:41
